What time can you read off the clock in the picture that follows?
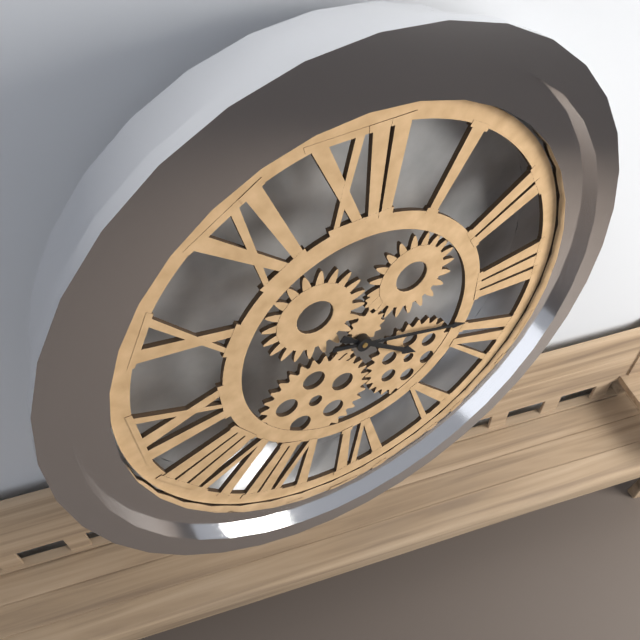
4:18
